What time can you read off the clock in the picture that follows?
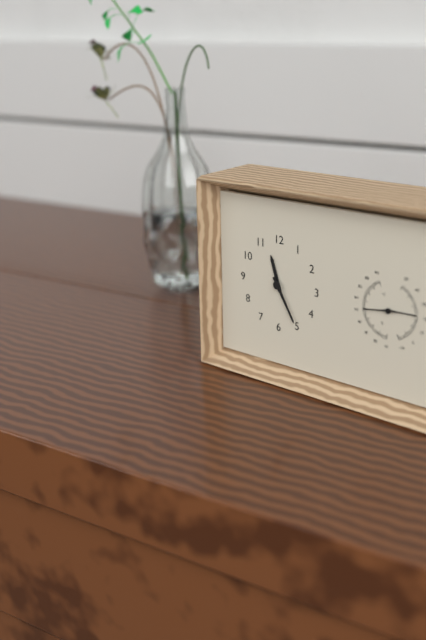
11:25
